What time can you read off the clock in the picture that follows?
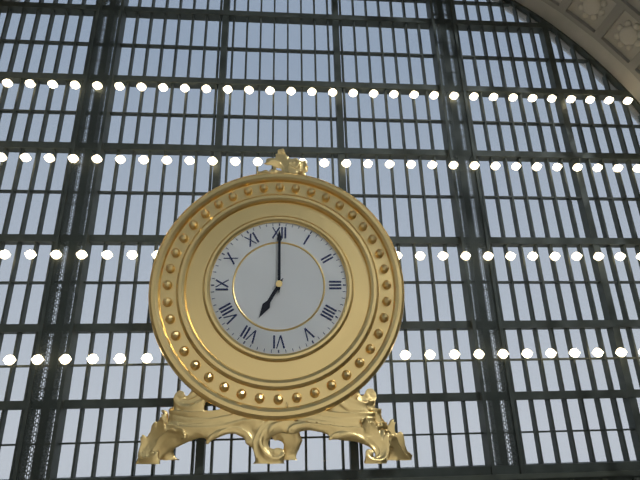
7:00
